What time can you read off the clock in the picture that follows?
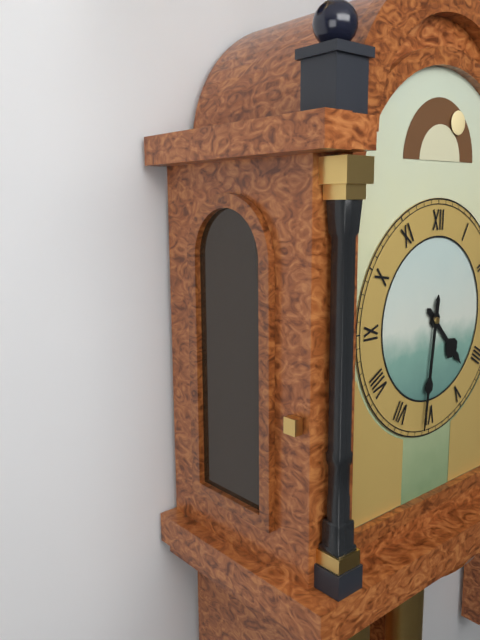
4:31
